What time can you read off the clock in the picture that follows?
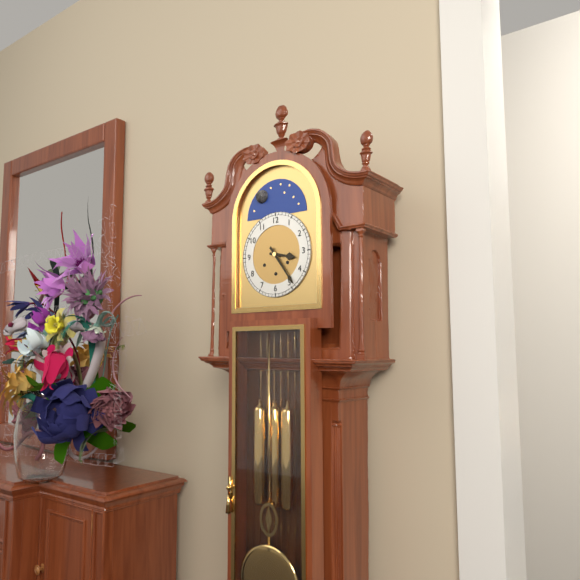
3:24
